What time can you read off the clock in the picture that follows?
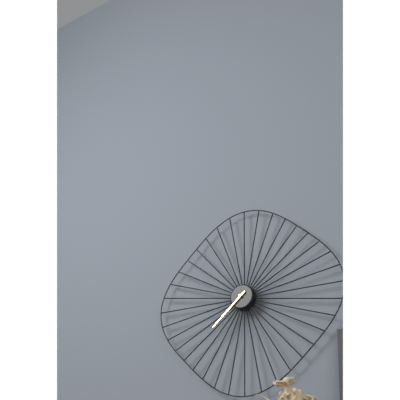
7:38
